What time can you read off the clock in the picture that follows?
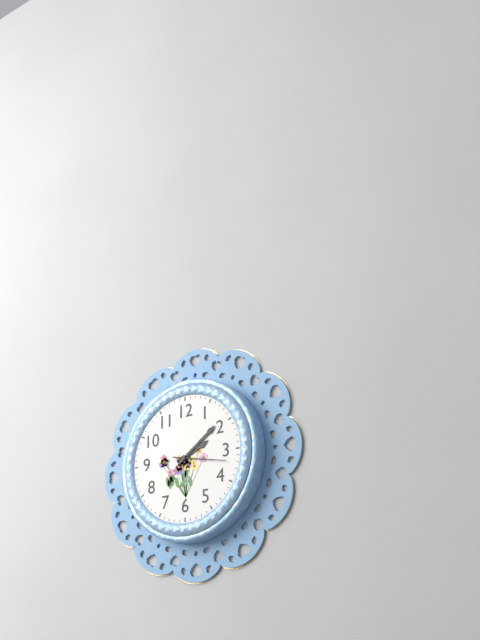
2:09:17
